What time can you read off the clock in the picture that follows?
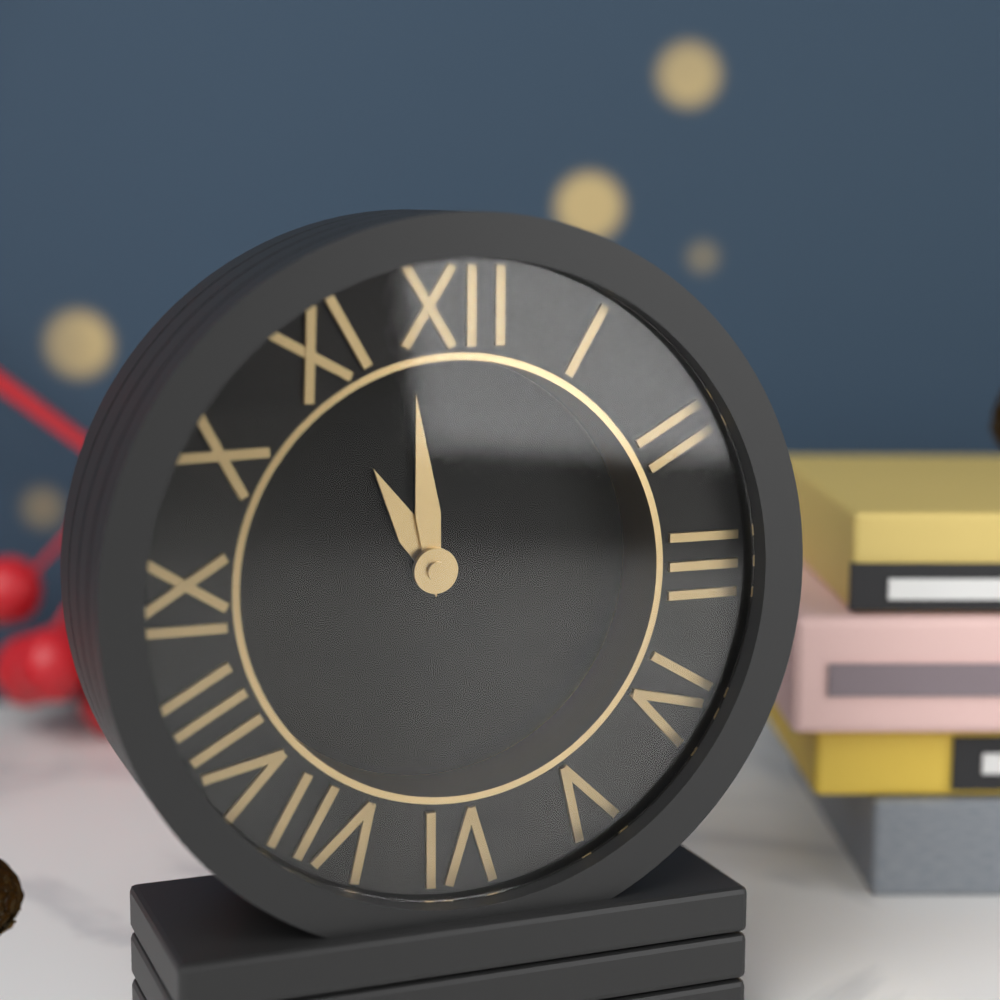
10:59
